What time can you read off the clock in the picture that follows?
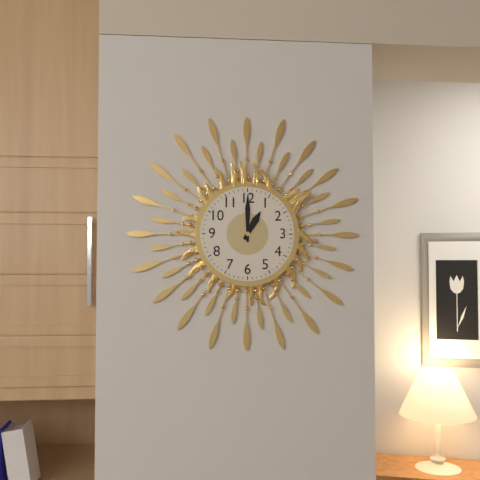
1:00
